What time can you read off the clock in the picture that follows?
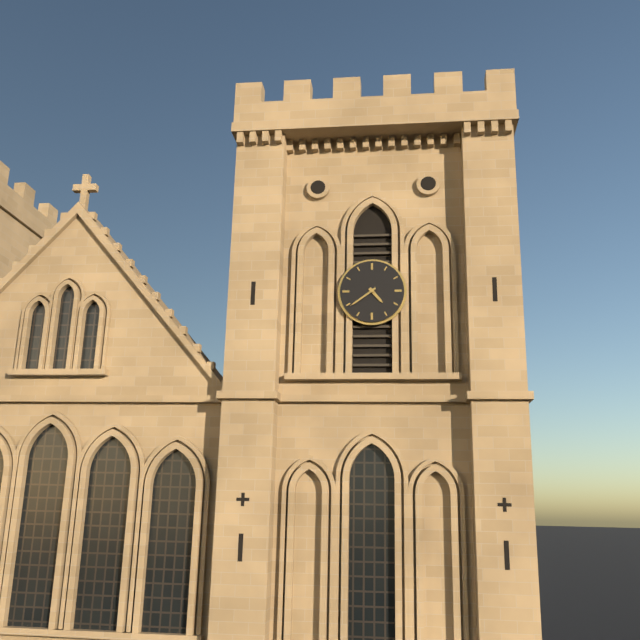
4:39
